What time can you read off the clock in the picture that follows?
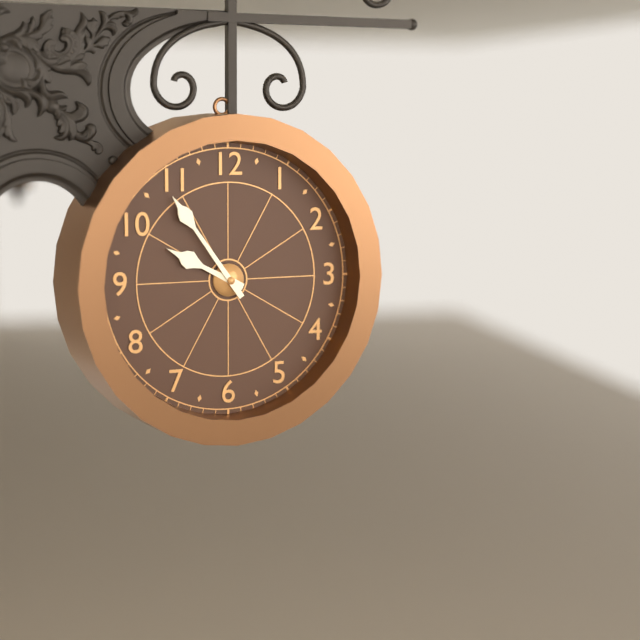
9:54
